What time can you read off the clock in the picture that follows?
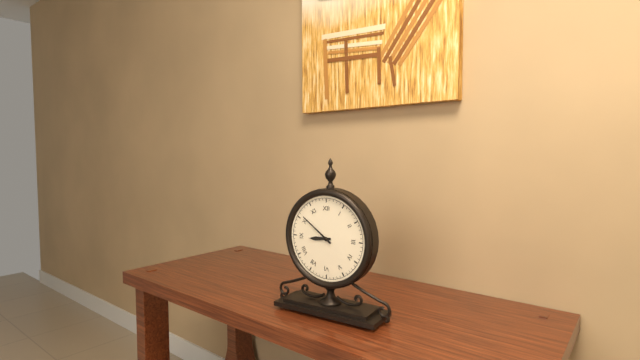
8:51
